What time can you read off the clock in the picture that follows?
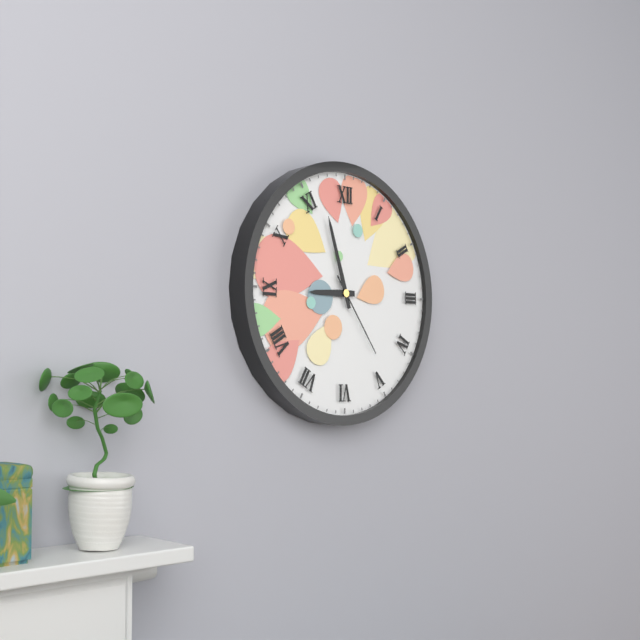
8:57:24
